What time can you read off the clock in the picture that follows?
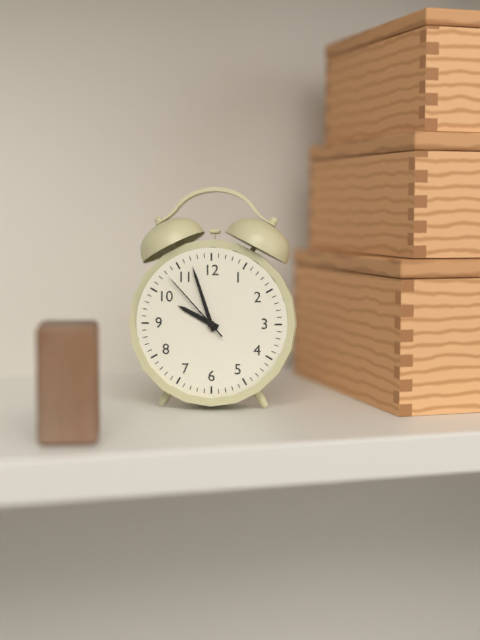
9:57:53
